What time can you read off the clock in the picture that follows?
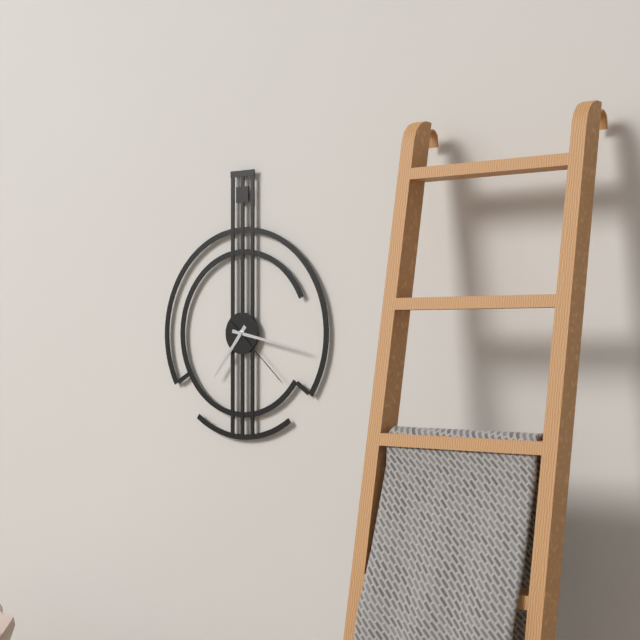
7:17:22
